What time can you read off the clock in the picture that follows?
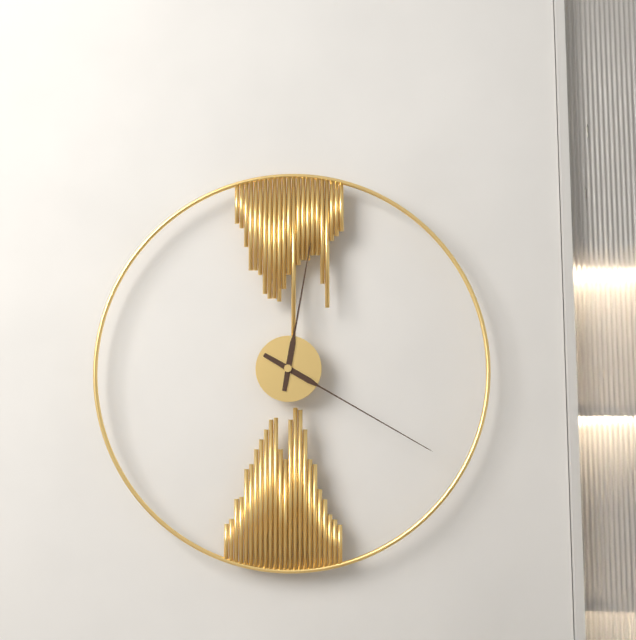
12:20
